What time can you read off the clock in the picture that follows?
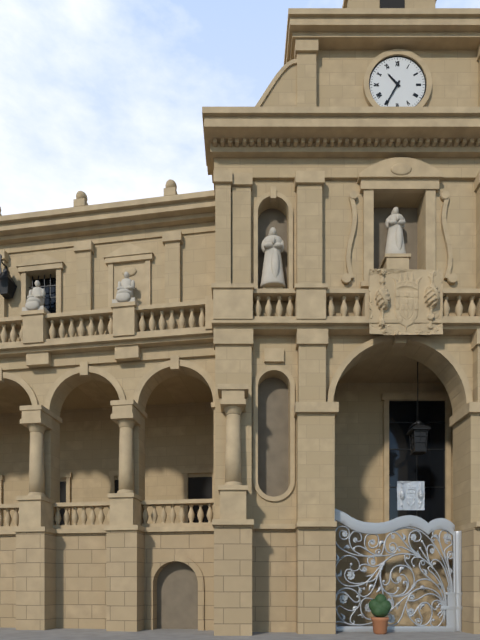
10:35
